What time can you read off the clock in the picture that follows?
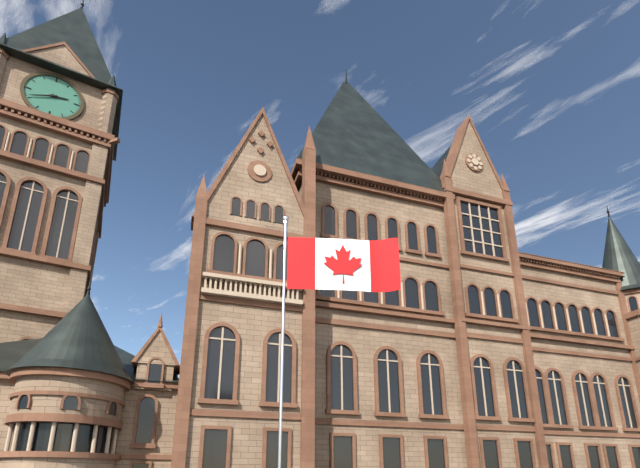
2:41
